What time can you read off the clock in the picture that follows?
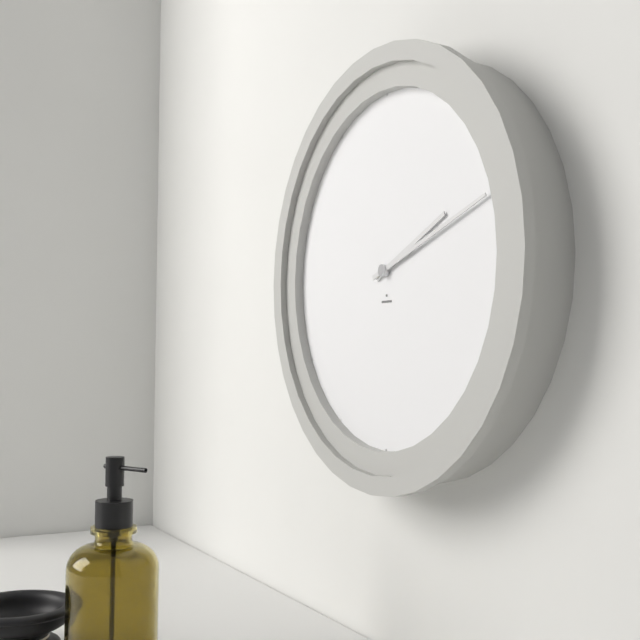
2:12
